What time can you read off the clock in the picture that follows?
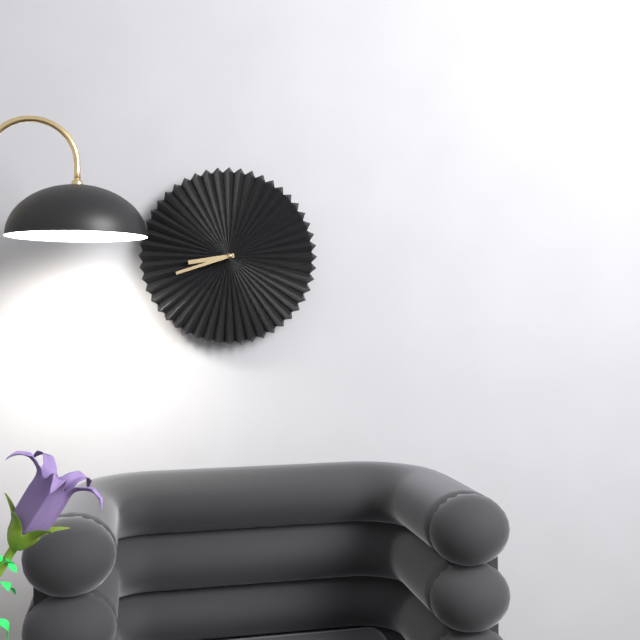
8:42
